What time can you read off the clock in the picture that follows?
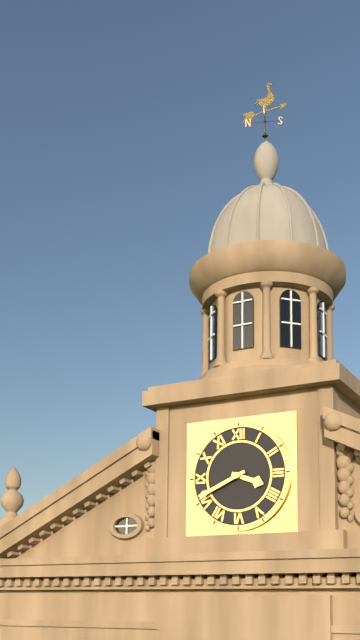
3:41
